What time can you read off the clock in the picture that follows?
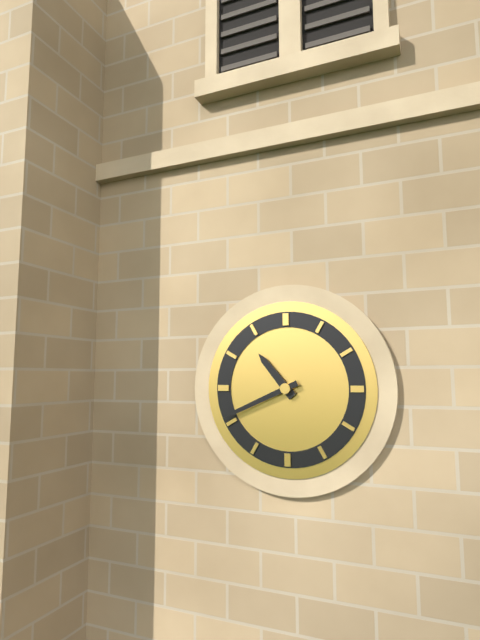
10:41
